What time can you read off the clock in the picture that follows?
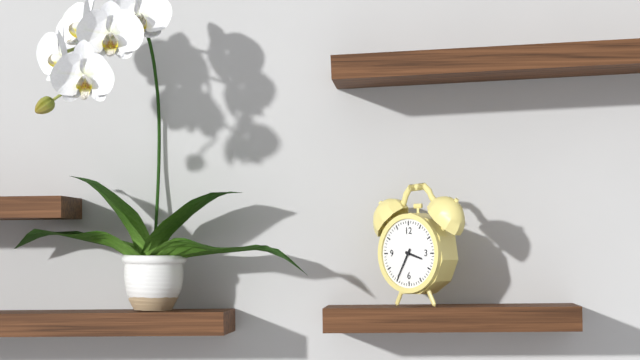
3:35
